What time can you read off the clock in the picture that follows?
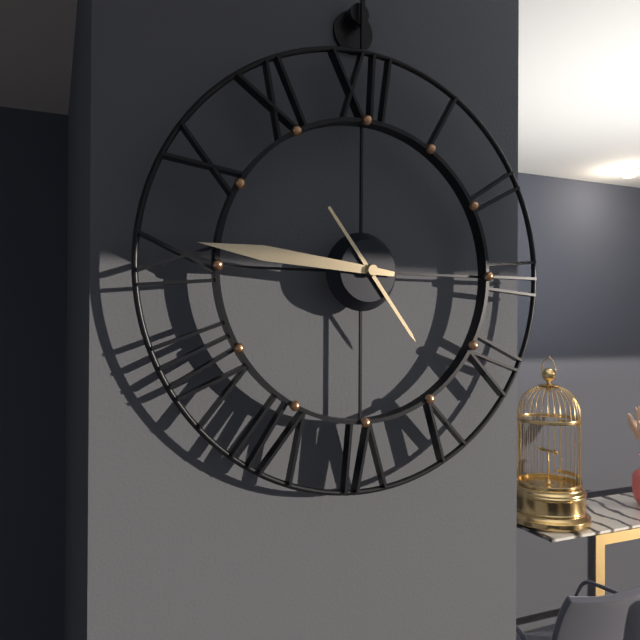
4:46
